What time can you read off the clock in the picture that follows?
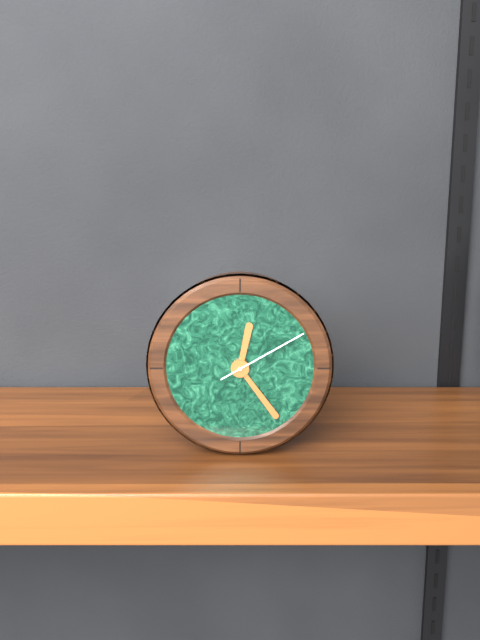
12:24:10
